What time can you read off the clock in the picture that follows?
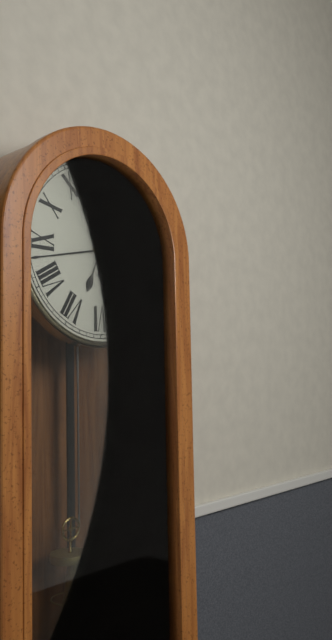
6:43
